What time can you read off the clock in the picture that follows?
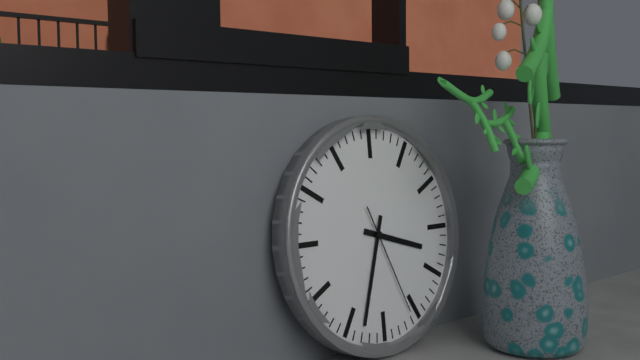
3:33:26
